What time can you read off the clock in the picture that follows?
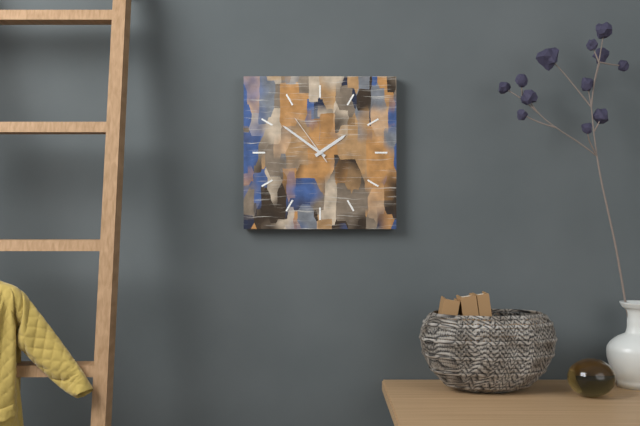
1:51:54
